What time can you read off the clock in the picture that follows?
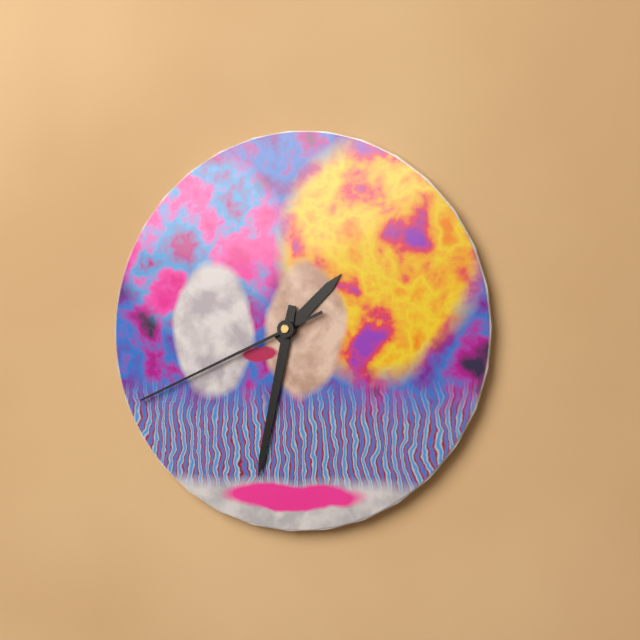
1:32:41
